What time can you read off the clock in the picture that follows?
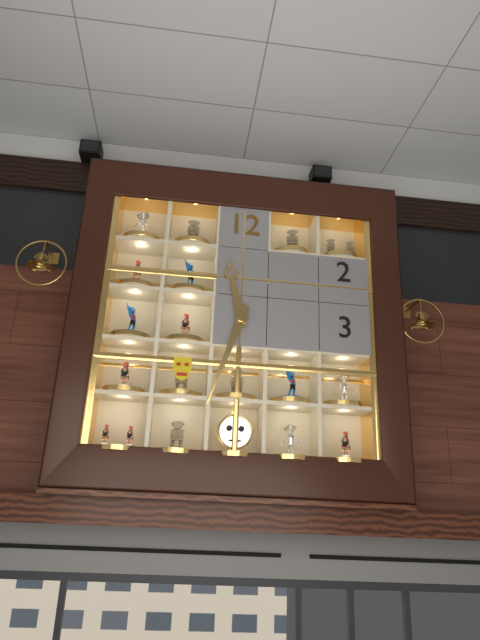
11:33
